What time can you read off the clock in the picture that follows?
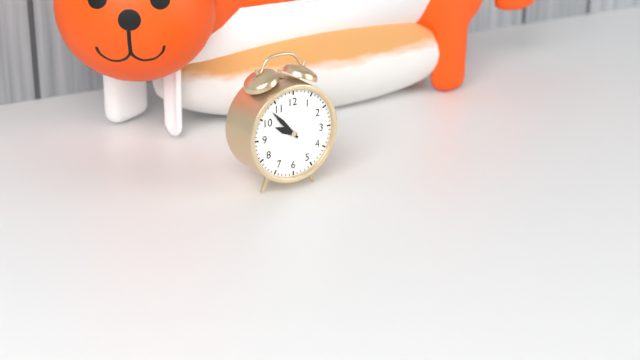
9:53
